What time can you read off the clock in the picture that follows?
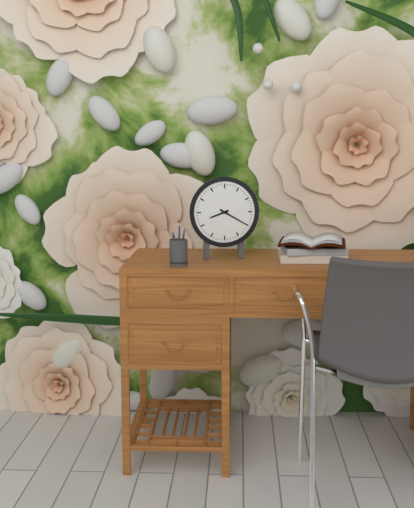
8:20
